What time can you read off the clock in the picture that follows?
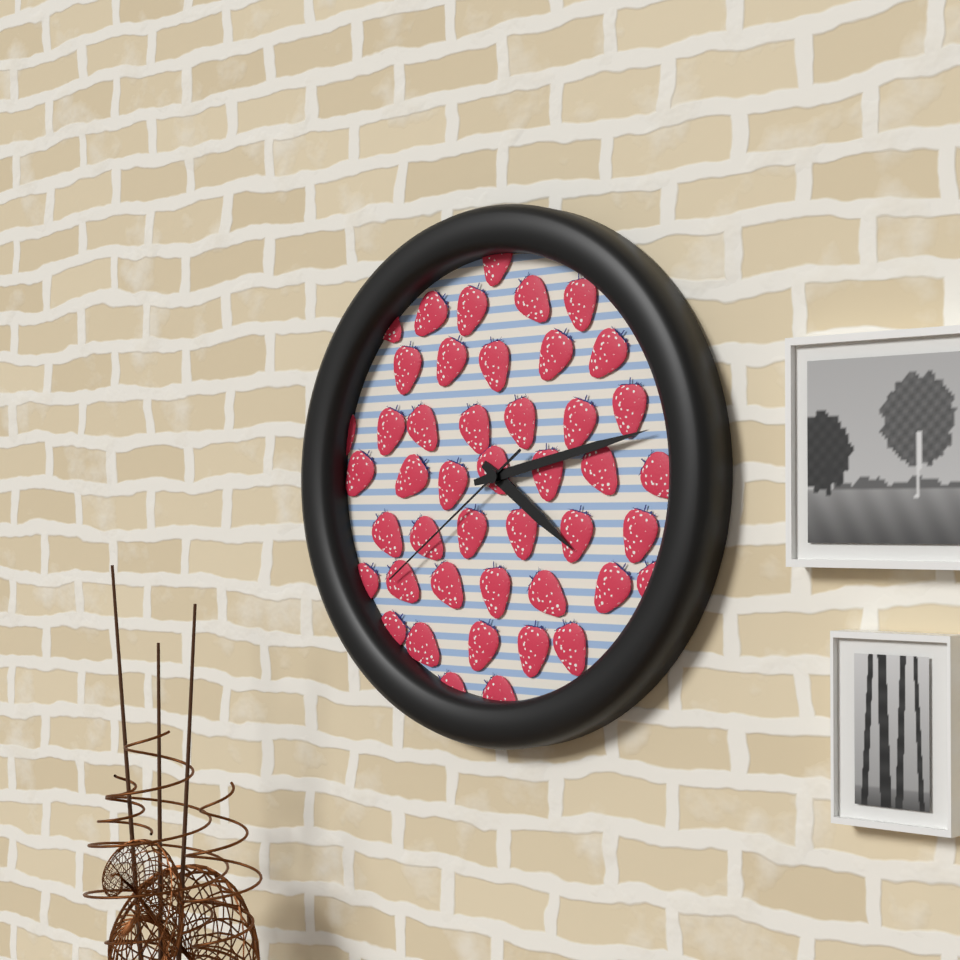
4:13:39
